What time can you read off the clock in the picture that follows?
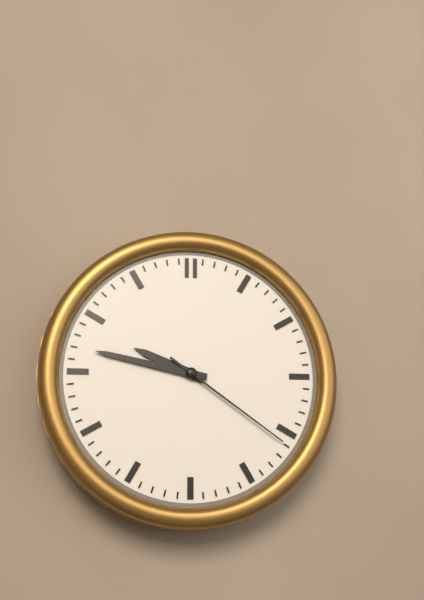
9:47:21
